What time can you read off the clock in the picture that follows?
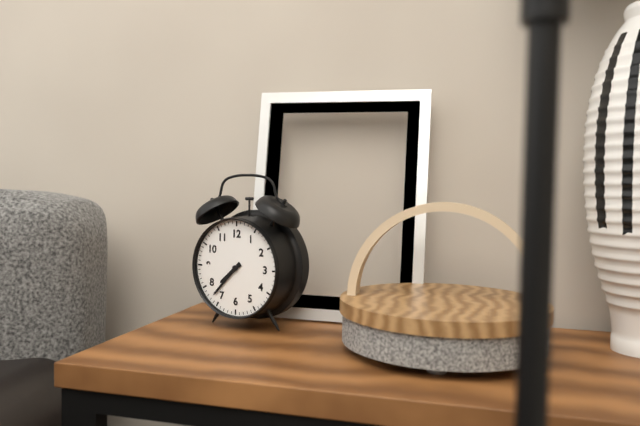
7:37
